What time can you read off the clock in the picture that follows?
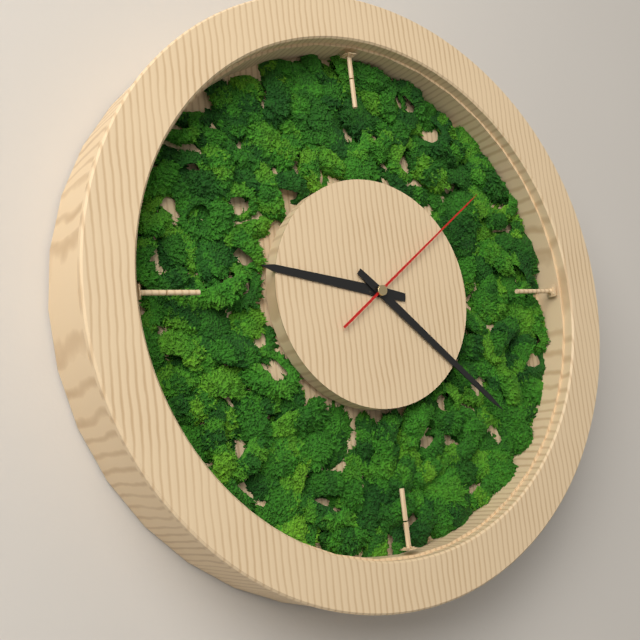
9:22:09
